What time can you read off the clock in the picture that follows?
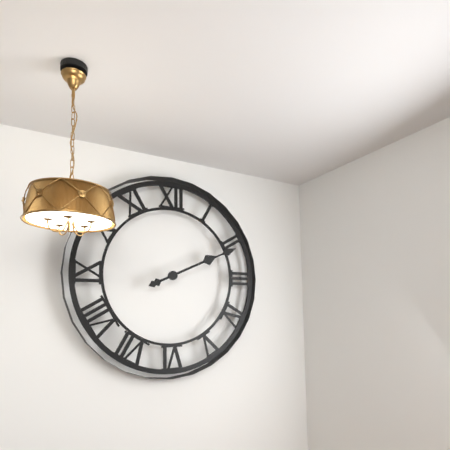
2:11
